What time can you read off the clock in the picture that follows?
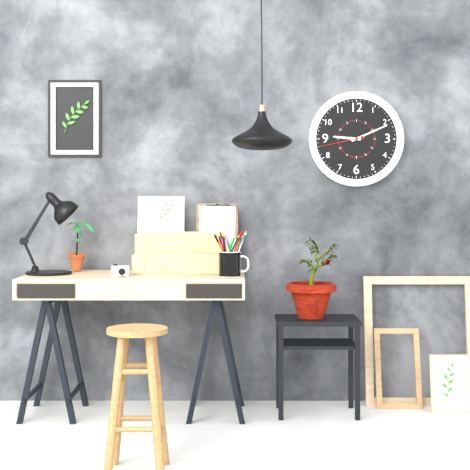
9:11
